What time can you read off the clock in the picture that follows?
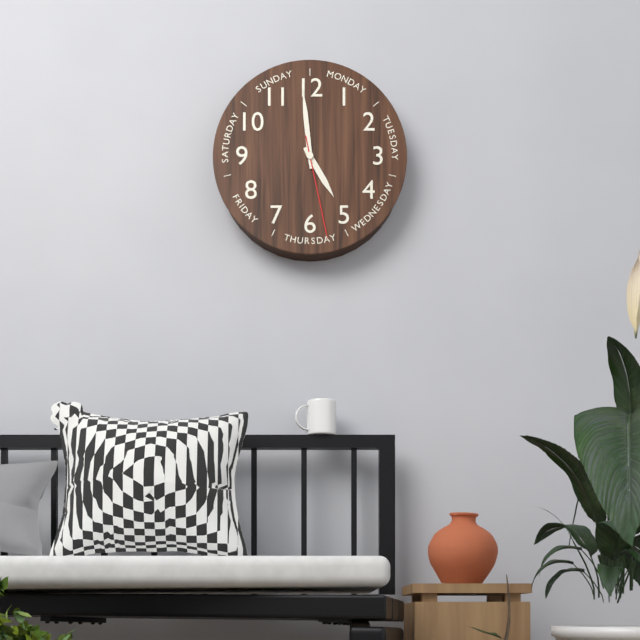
4:59:28
